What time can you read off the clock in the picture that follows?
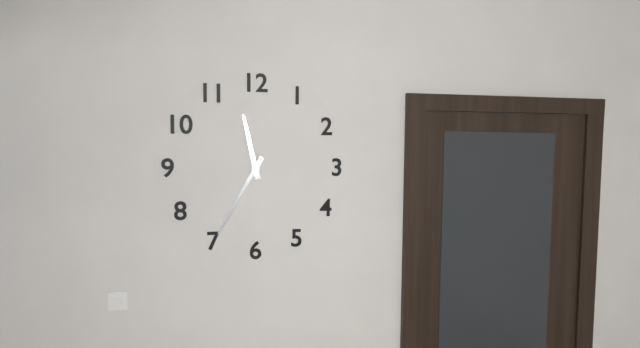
11:35
